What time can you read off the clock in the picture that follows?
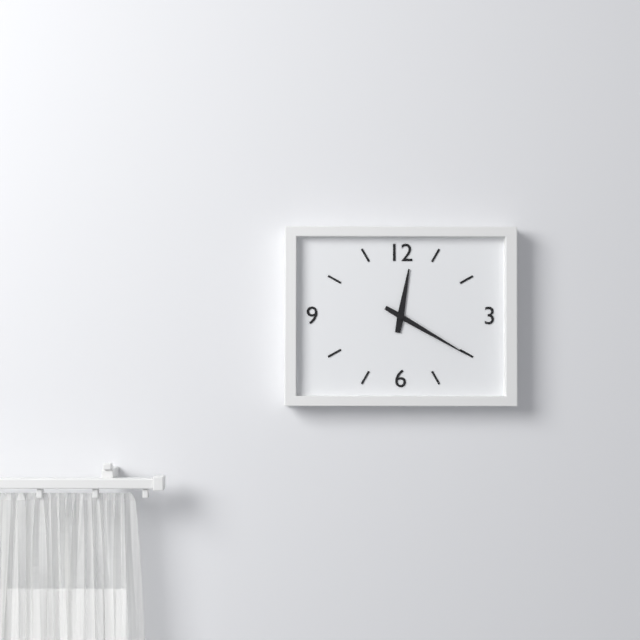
12:20
